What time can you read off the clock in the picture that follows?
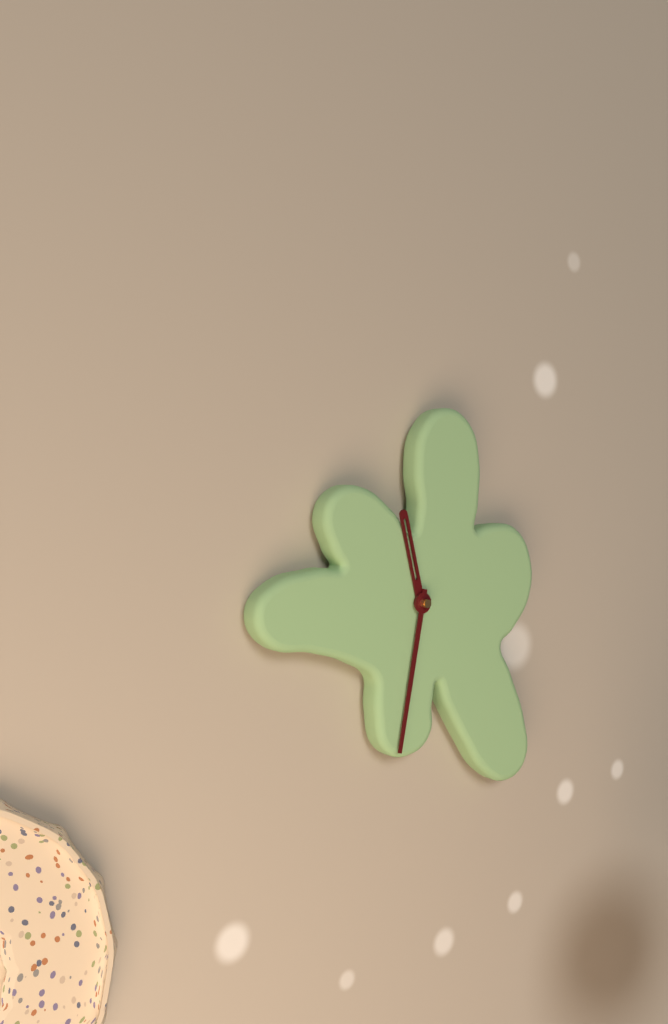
11:32
